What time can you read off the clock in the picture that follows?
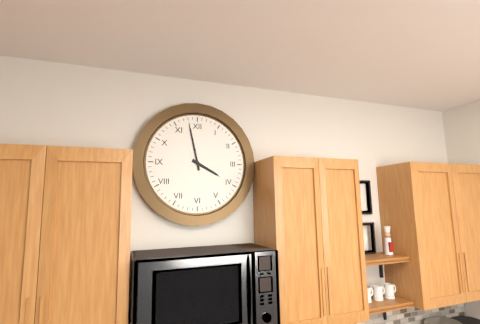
3:58
